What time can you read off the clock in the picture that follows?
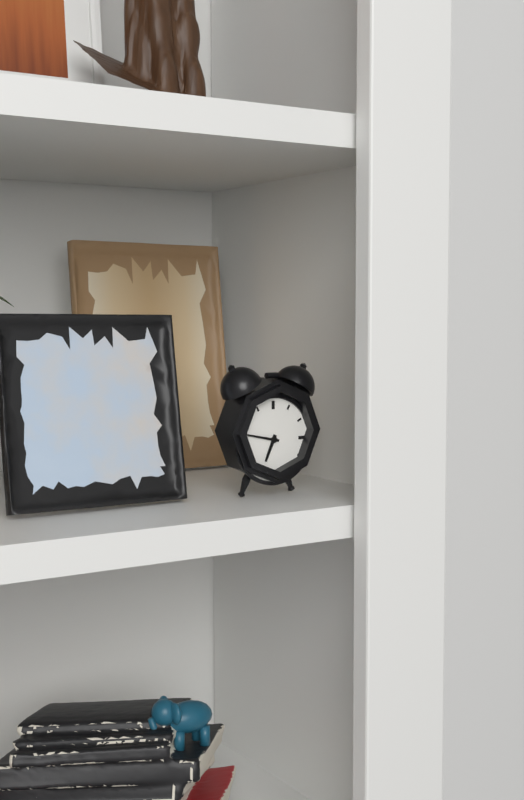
6:47
